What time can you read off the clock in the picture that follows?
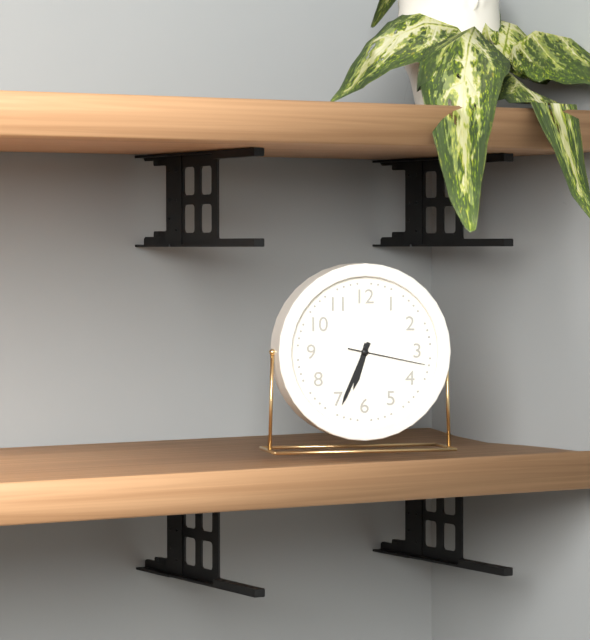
6:34:17
